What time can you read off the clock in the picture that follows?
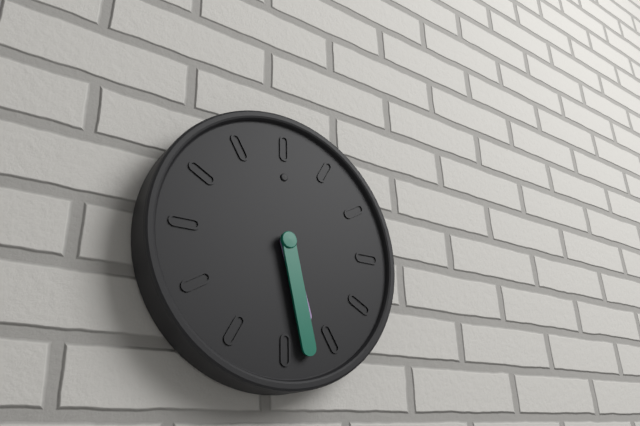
5:28
